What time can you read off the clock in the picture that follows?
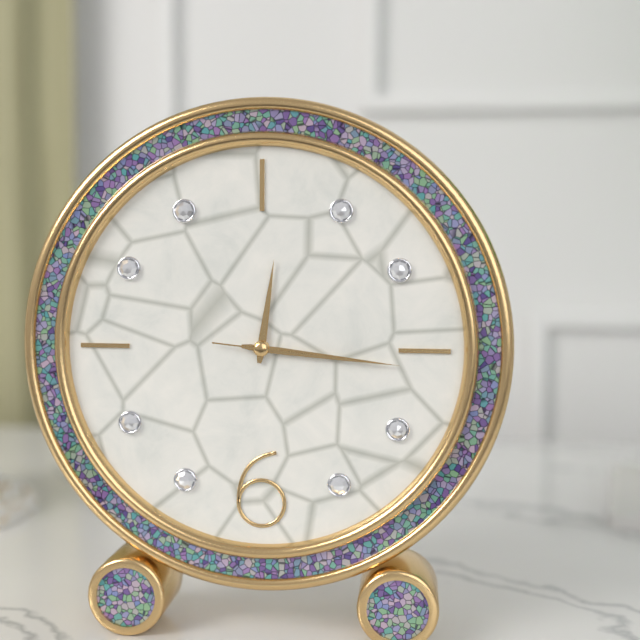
12:16:16
